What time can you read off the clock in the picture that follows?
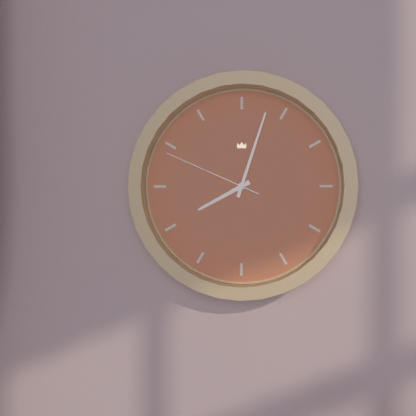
8:03:49
